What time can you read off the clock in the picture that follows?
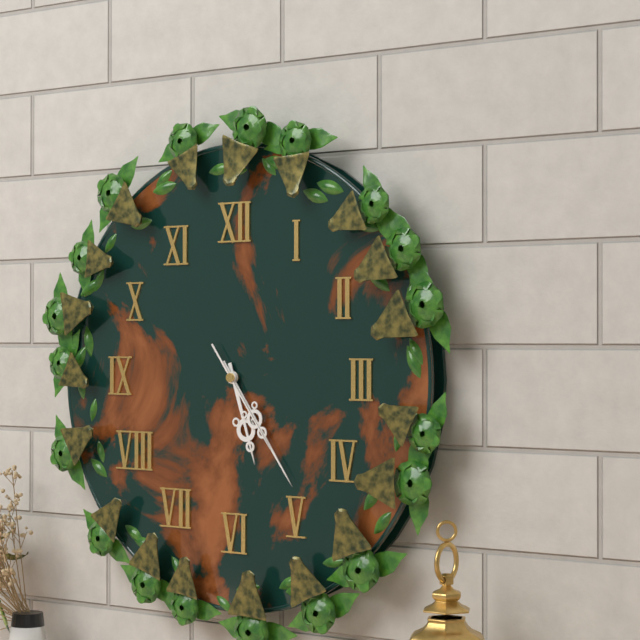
5:24:24
